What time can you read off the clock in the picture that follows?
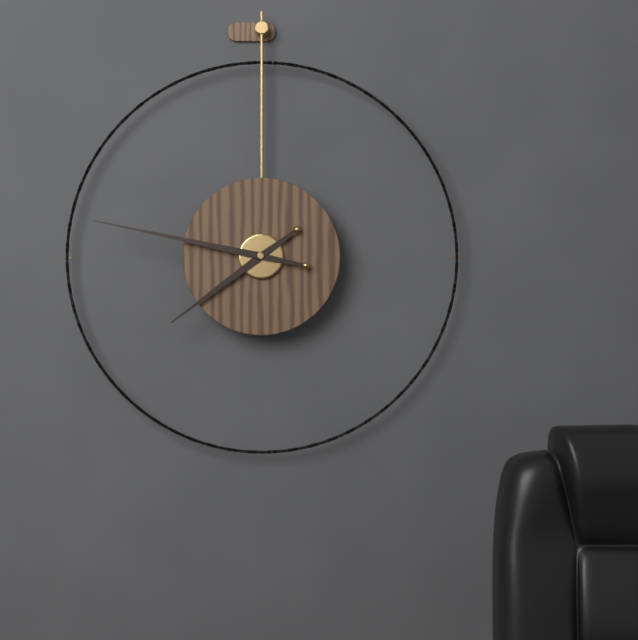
7:47
